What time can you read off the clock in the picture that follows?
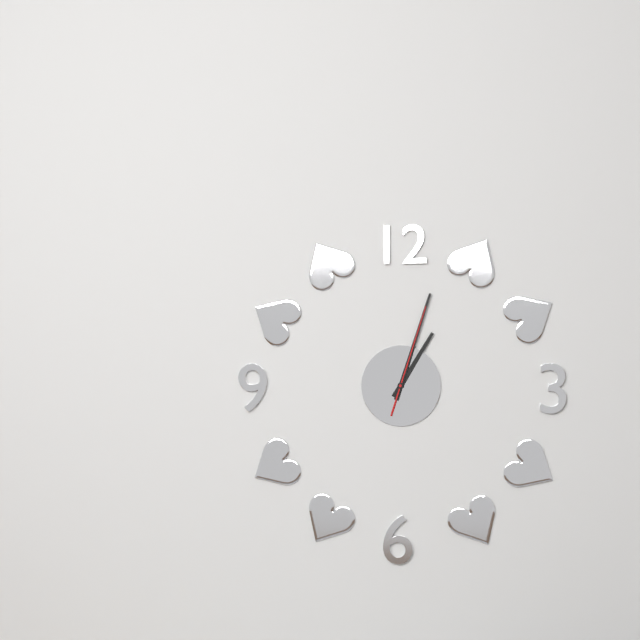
1:03:03
